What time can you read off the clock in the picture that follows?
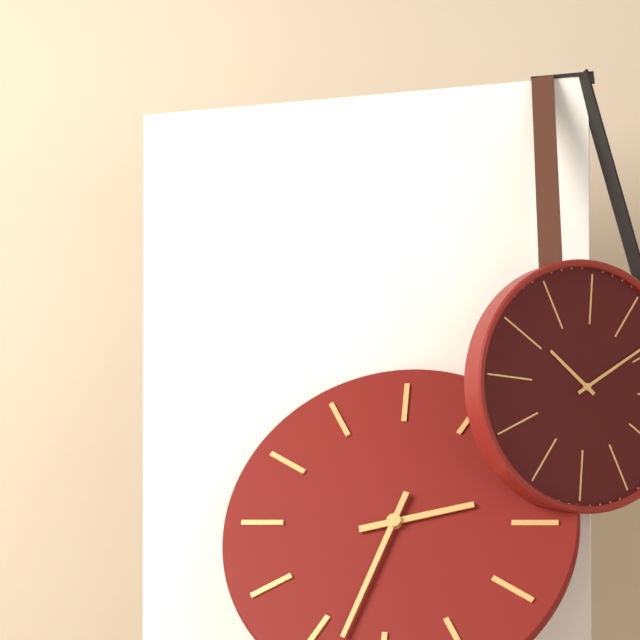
2:33
